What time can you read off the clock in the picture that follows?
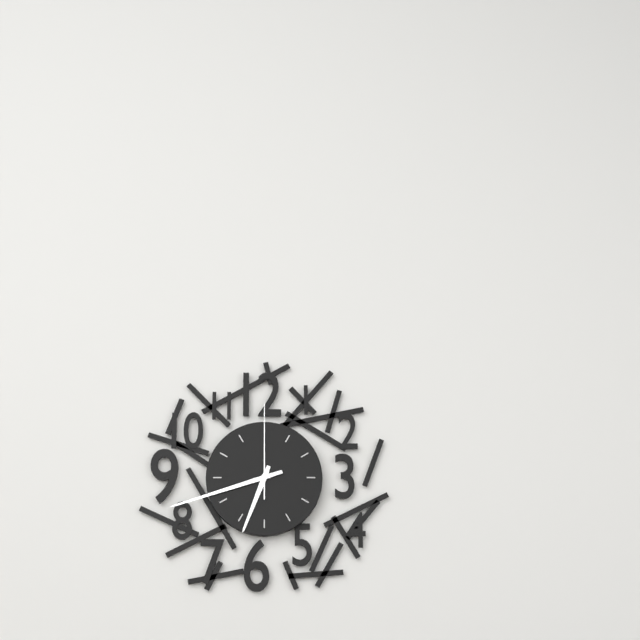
6:42:00
